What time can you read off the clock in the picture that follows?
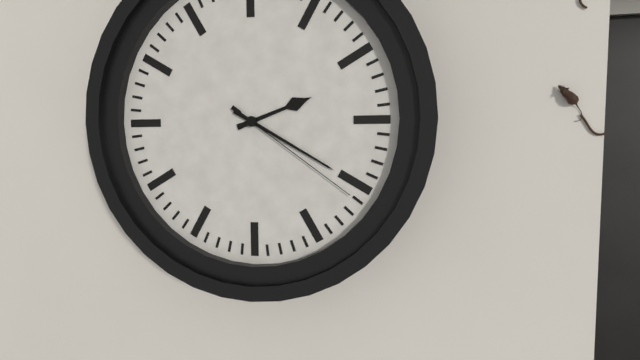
2:20:21
